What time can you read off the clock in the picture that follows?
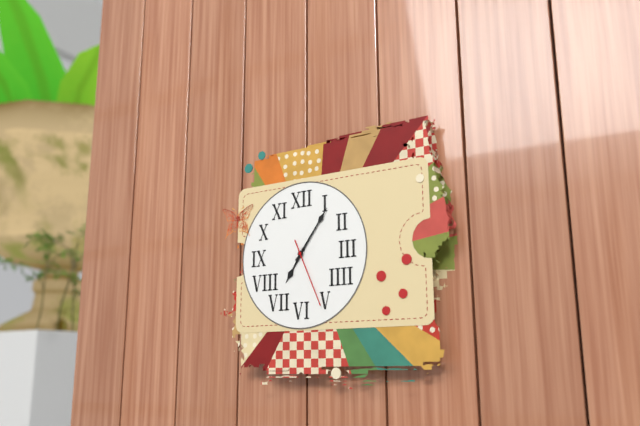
7:06:26
